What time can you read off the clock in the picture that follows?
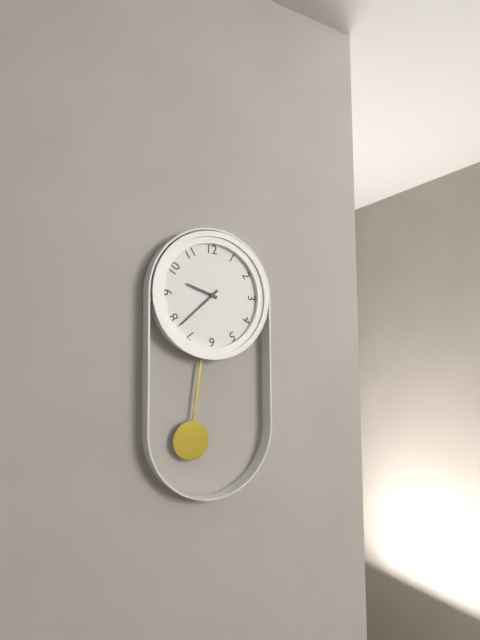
9:38
